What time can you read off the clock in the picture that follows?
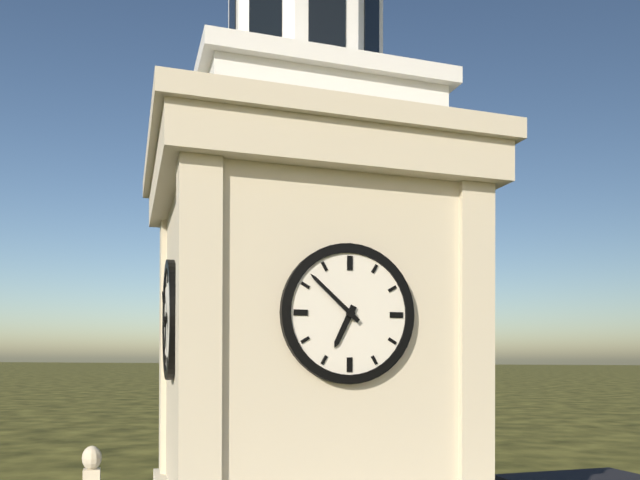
6:52
